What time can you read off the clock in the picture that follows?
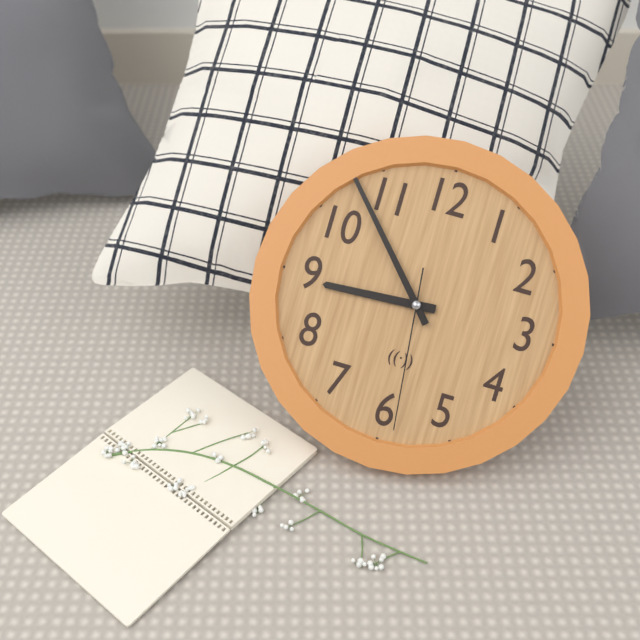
8:53:29
